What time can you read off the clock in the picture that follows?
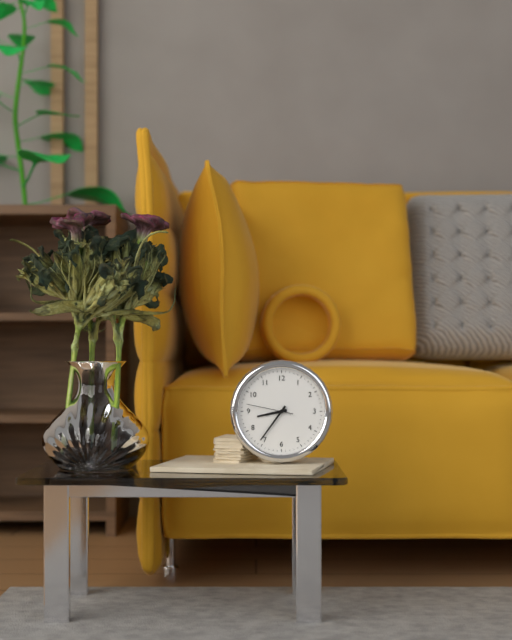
8:36
